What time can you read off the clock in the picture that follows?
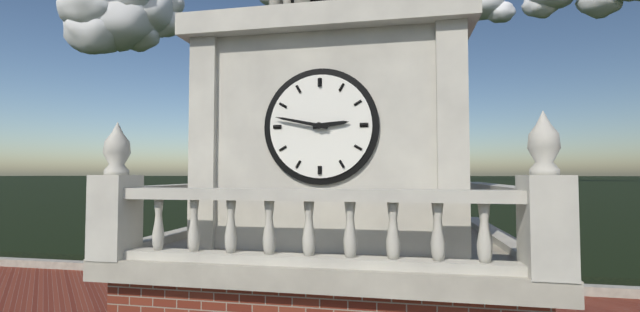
2:47
